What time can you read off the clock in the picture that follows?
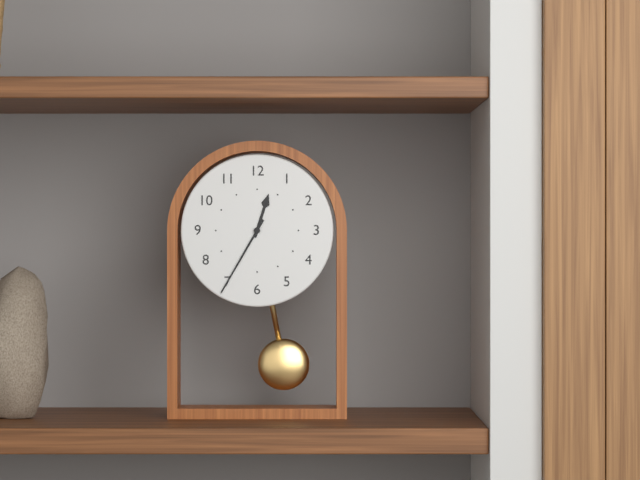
12:35
